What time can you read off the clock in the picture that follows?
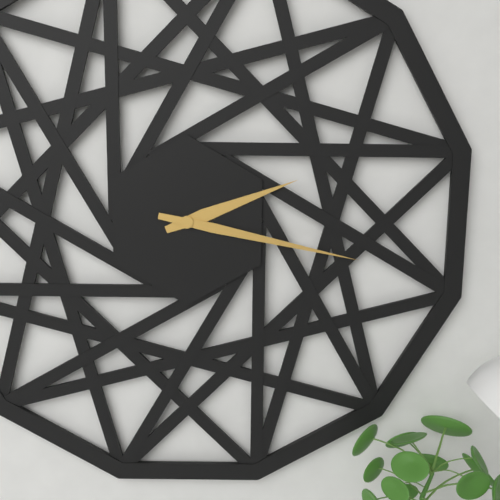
2:17
